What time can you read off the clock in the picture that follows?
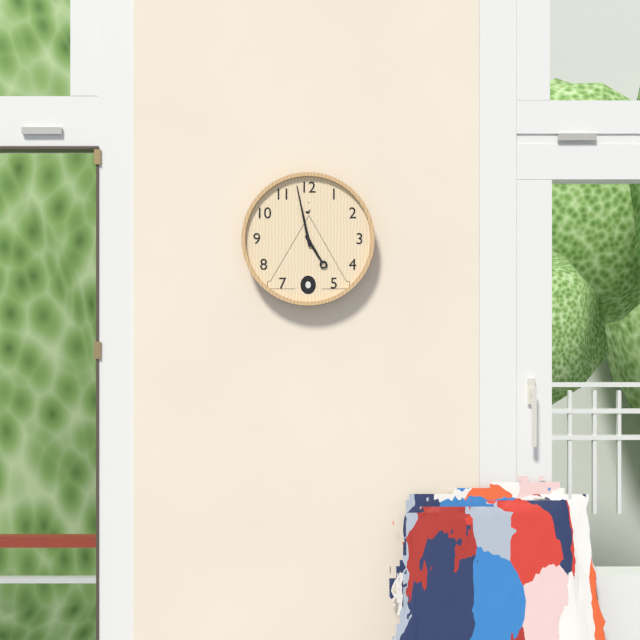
4:58
